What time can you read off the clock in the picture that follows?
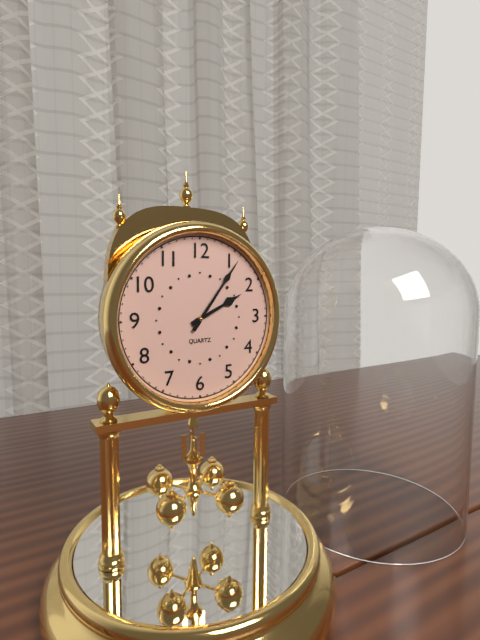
2:06
